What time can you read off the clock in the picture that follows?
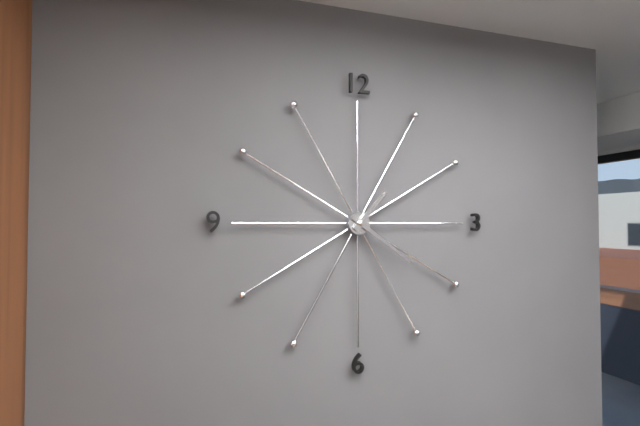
1:21
